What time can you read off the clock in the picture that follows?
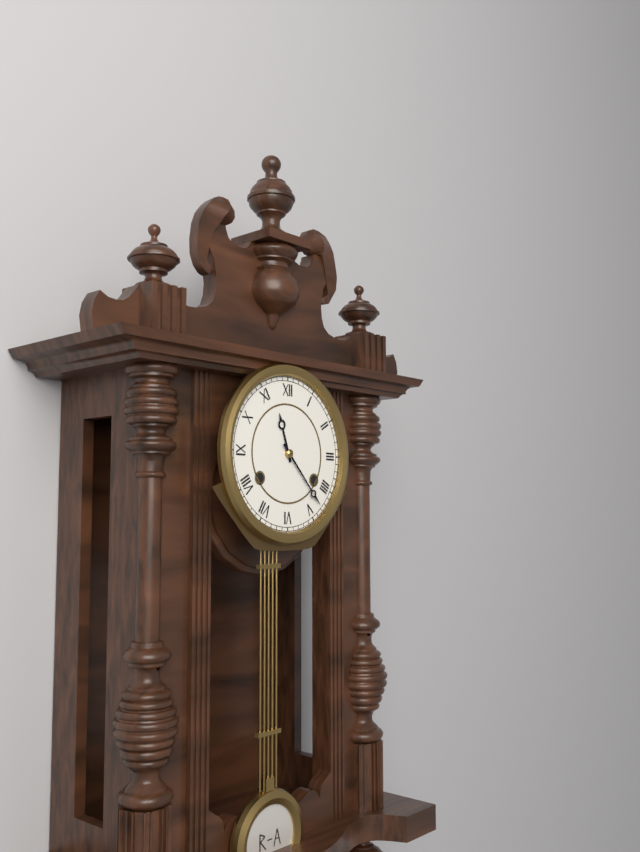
11:23
